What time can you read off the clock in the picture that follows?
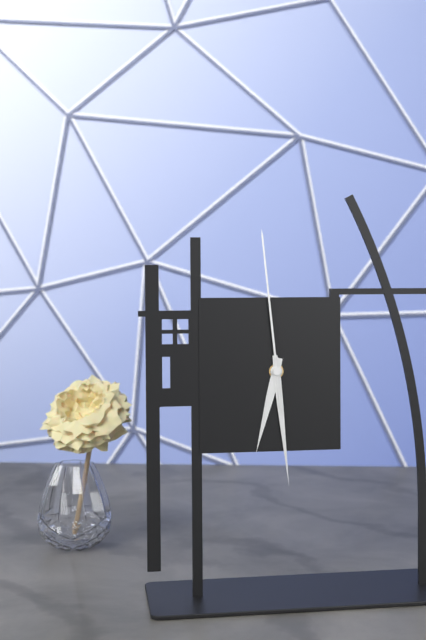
6:29:59
